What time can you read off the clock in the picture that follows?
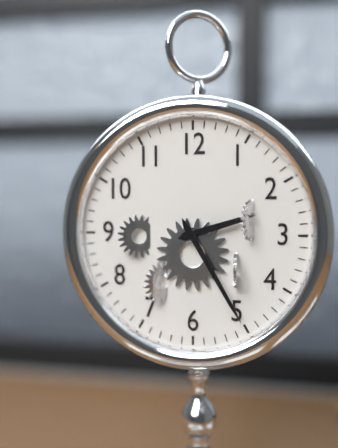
2:25
